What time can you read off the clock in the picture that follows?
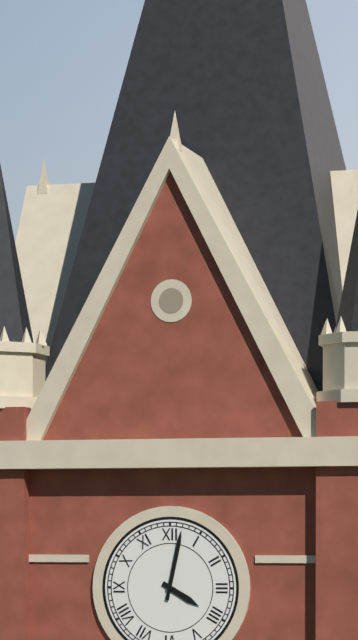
4:02
